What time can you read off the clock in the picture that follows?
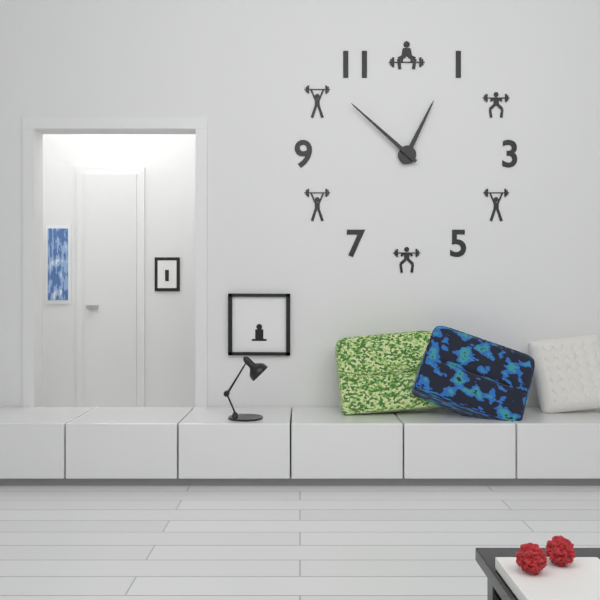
12:52
